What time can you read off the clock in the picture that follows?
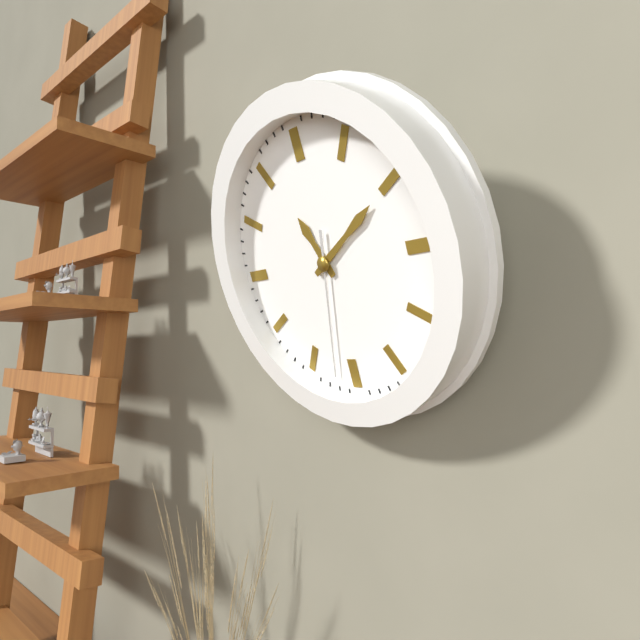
11:10:32
